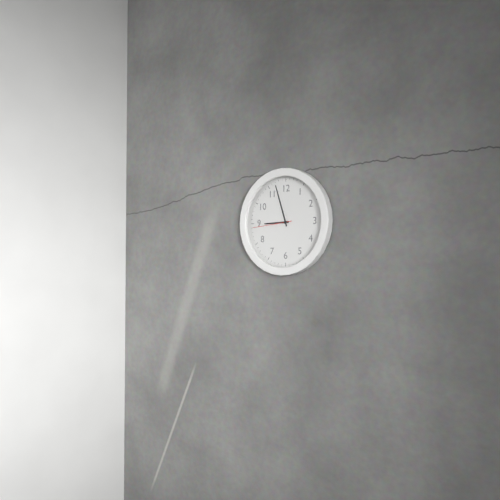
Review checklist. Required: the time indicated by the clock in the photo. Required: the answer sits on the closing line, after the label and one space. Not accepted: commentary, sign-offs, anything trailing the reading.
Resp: 8:57
